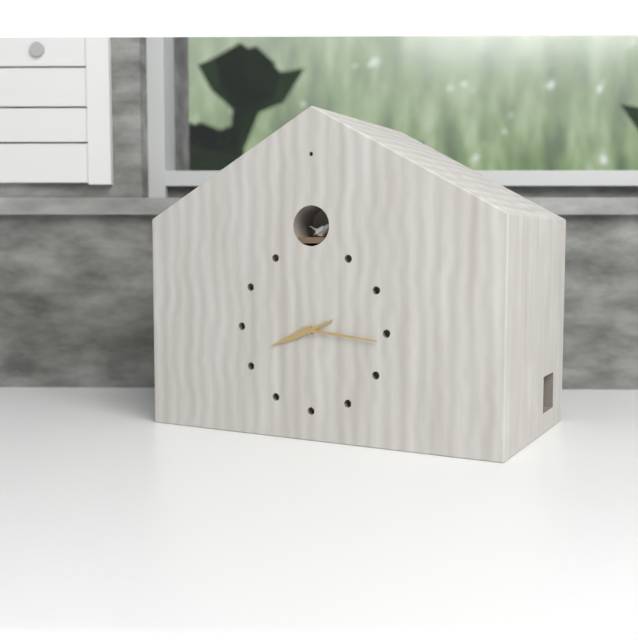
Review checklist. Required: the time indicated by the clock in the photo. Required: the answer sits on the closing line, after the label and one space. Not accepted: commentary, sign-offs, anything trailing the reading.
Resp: 8:16
